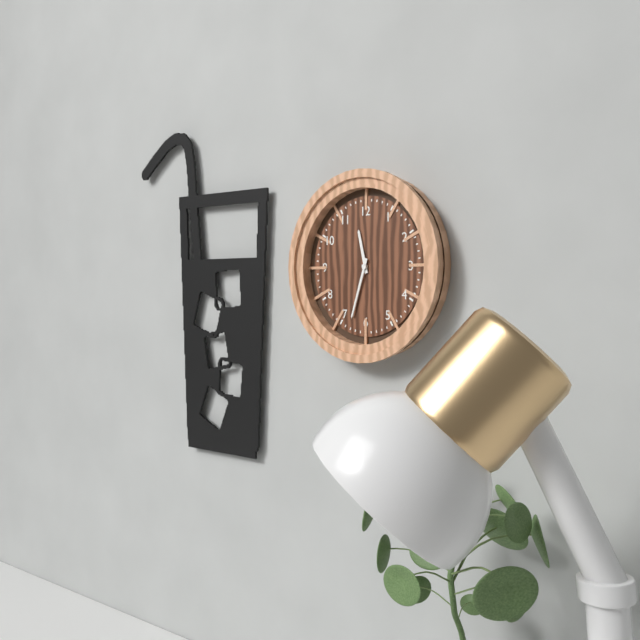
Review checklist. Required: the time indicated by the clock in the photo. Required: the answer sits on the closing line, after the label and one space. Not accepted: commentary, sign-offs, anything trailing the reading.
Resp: 11:33
